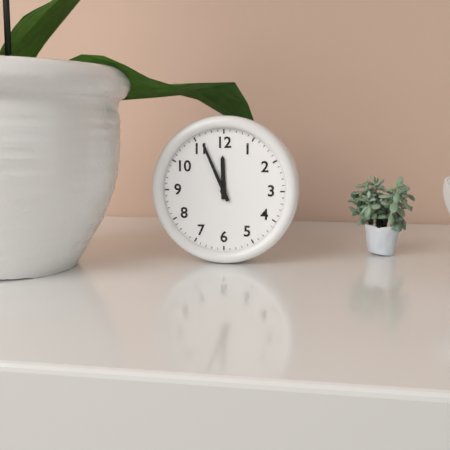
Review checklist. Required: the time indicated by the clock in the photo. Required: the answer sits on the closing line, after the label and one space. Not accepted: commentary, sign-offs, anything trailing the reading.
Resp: 11:56
